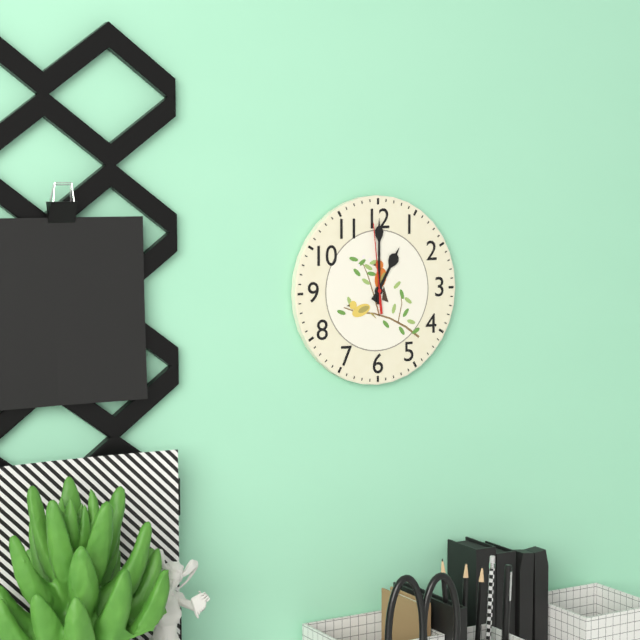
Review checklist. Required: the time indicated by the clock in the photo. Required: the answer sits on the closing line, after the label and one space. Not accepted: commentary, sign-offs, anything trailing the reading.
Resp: 1:00:59
